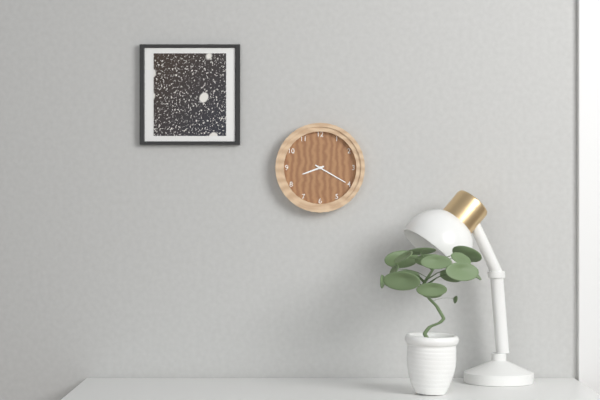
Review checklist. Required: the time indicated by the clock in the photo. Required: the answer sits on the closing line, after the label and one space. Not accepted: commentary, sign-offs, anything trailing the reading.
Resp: 8:20
